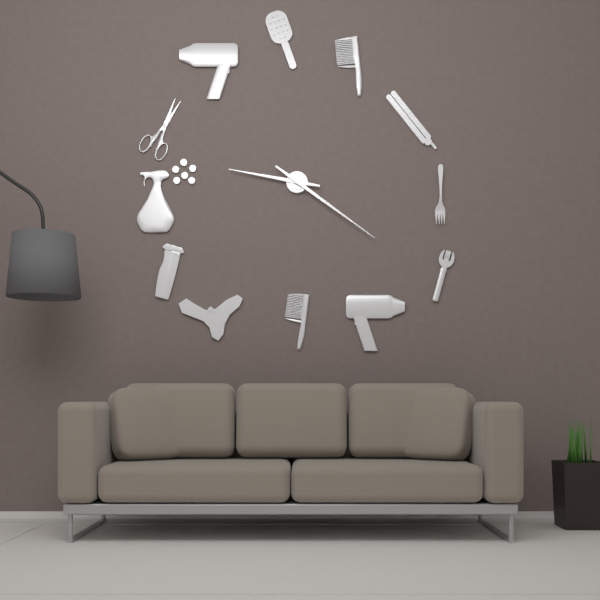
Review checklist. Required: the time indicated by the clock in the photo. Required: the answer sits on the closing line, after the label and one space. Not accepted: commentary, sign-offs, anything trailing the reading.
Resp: 9:21
